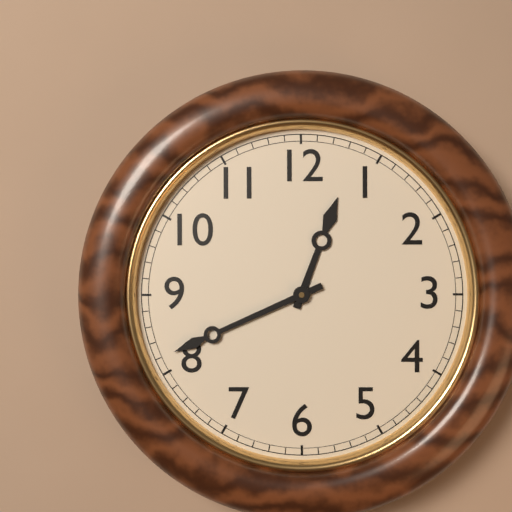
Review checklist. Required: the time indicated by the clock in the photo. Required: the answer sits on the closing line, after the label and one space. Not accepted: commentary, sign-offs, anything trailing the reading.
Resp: 12:41
